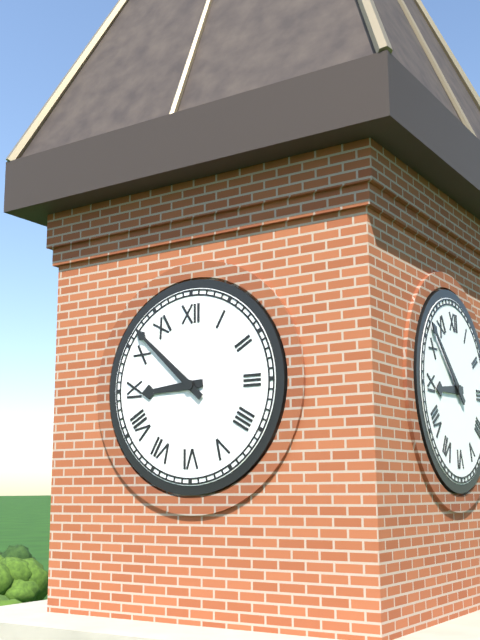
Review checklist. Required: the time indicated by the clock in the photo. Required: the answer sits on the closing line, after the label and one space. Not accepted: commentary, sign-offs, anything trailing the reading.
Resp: 8:52
